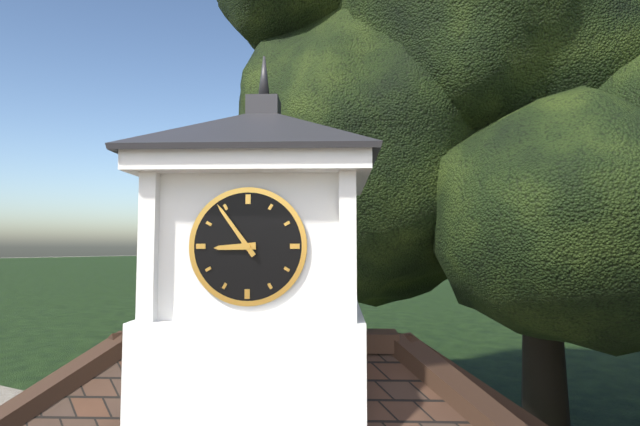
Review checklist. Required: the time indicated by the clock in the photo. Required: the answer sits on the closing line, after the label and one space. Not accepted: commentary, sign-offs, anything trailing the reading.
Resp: 8:54
